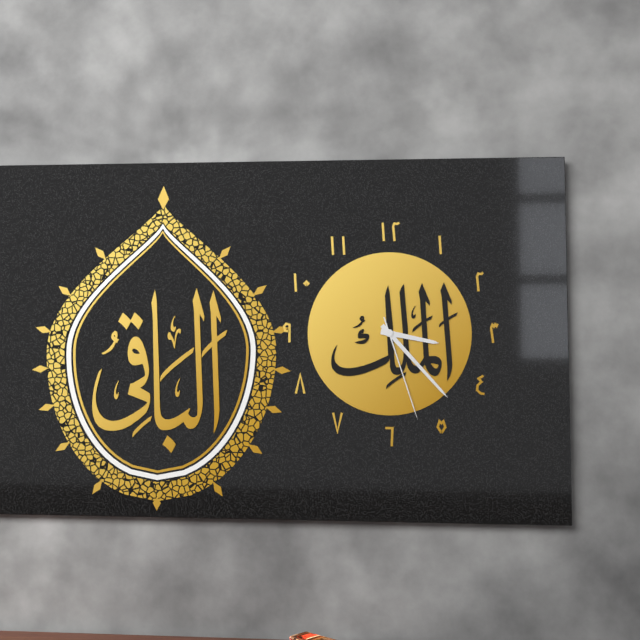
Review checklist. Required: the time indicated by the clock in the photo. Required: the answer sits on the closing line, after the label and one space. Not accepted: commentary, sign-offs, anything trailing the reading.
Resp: 3:23:27
